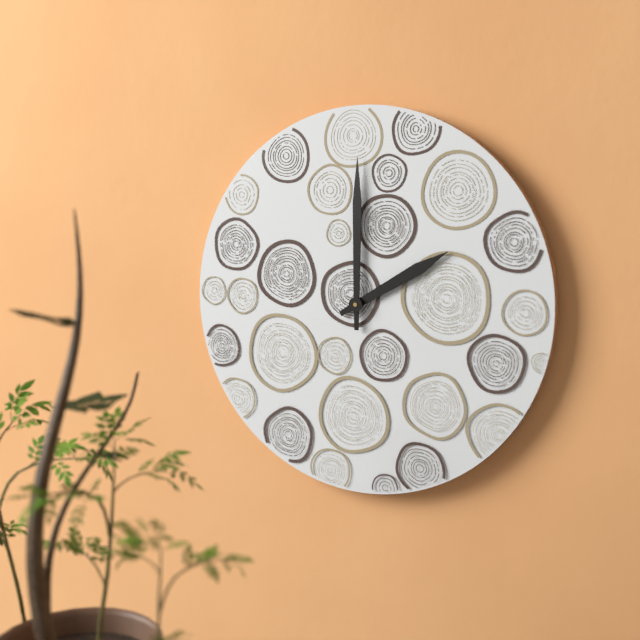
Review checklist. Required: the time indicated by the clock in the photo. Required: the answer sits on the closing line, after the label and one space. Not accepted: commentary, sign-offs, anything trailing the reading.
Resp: 2:00
